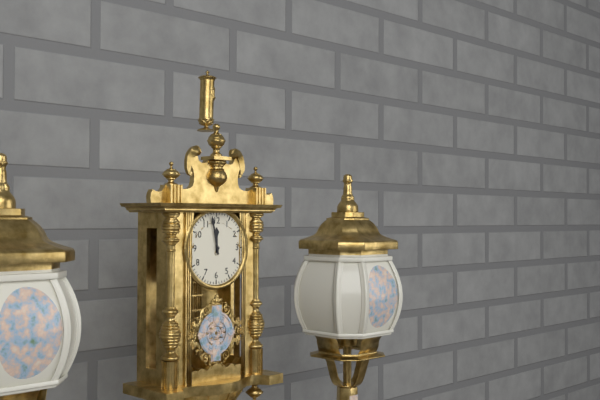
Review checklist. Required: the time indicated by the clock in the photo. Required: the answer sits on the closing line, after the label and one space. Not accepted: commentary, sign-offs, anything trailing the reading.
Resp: 11:58
